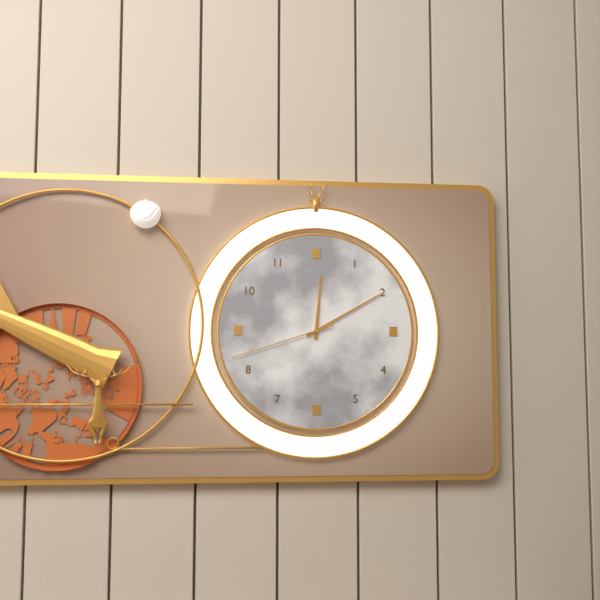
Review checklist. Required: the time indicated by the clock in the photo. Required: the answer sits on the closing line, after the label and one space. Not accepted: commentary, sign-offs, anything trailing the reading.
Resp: 12:10:42
